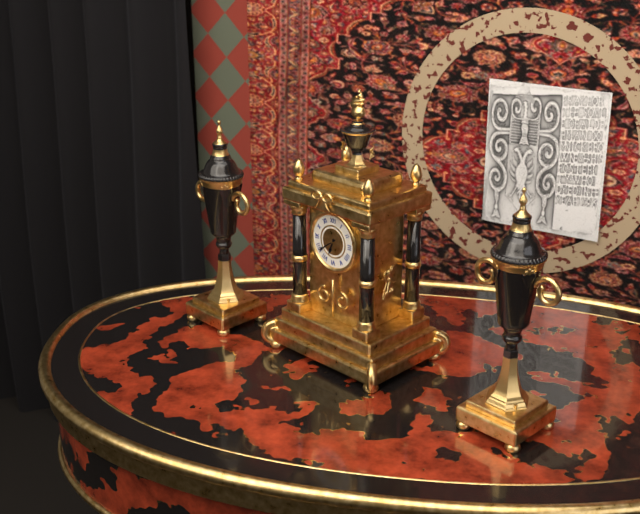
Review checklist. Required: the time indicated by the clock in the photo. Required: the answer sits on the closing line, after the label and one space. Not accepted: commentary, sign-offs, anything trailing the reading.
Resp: 6:39
